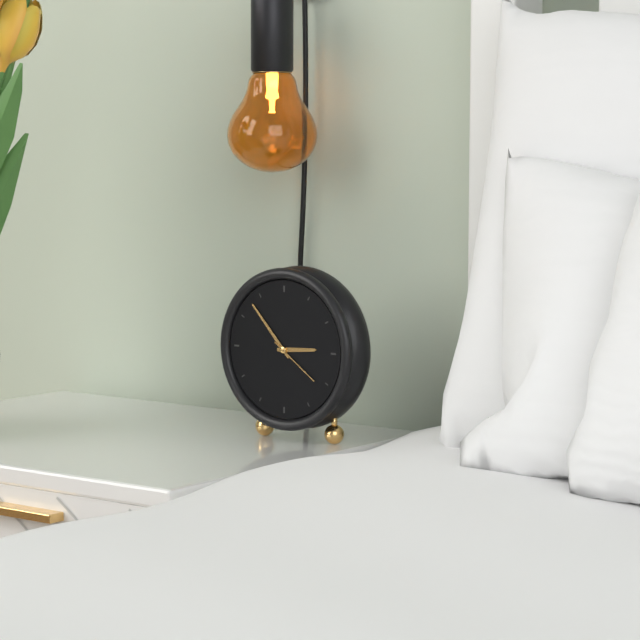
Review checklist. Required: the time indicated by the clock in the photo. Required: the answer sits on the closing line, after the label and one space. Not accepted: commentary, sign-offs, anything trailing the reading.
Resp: 2:53:21
